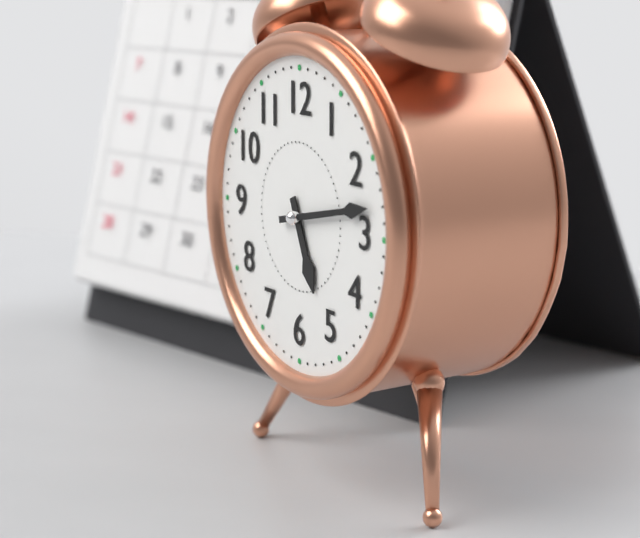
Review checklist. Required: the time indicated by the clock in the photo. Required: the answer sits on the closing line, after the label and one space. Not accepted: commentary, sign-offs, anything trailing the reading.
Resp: 5:13
